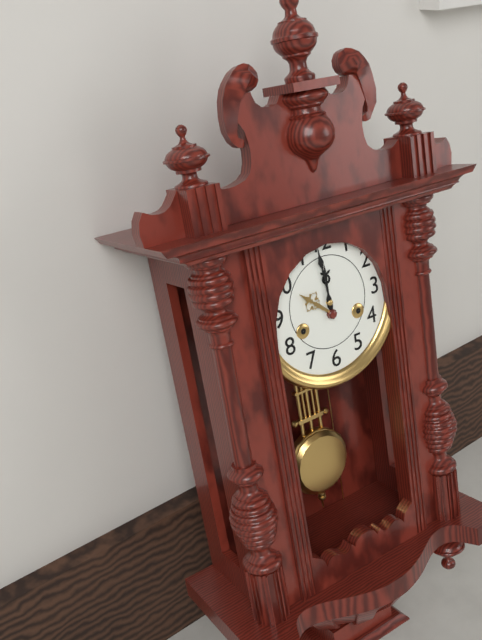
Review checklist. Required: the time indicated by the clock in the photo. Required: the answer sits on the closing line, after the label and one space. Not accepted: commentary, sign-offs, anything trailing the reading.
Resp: 11:59
